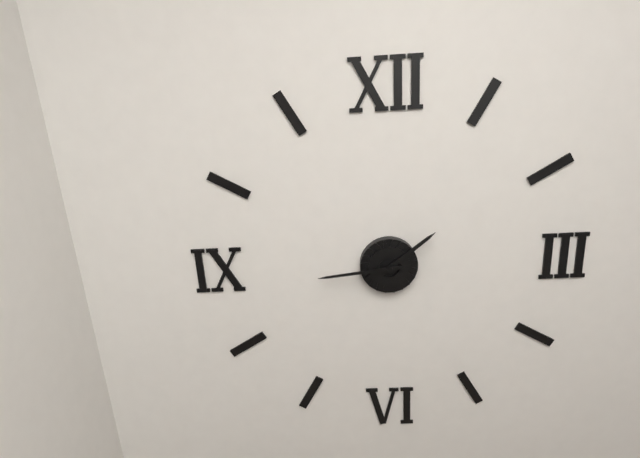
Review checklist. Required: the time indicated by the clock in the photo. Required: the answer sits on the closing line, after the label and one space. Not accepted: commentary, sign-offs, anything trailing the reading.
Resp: 1:44
